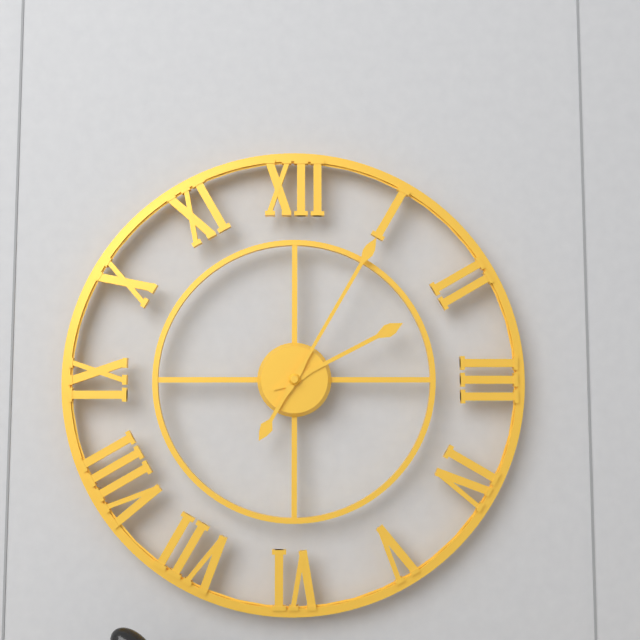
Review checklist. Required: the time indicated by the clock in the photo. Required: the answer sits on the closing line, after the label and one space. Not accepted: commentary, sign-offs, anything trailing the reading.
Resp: 2:05
